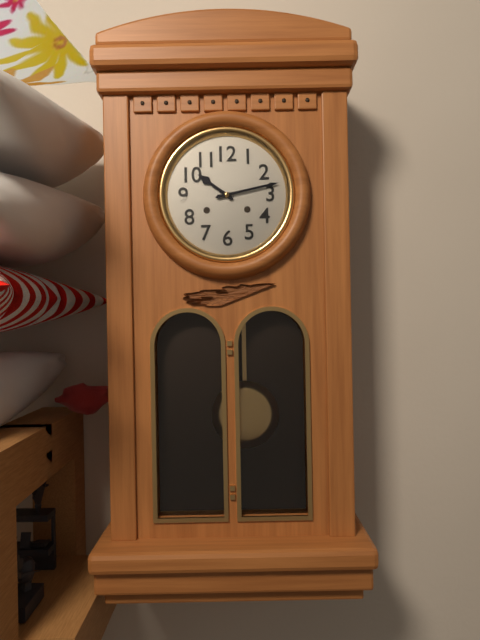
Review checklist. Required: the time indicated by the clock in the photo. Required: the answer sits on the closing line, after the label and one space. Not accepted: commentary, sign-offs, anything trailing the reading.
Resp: 10:13
